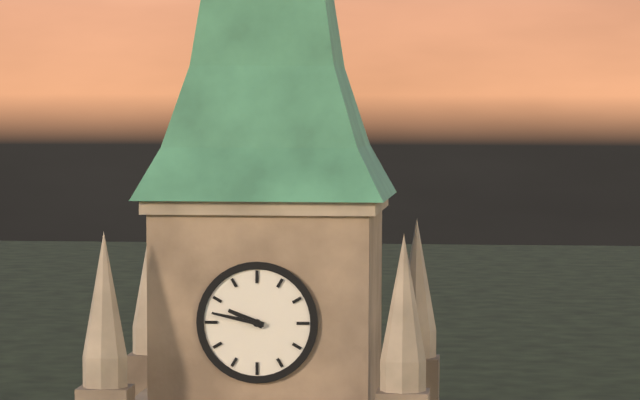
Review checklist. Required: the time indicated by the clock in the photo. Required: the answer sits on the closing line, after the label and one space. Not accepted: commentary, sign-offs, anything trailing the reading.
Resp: 9:47
